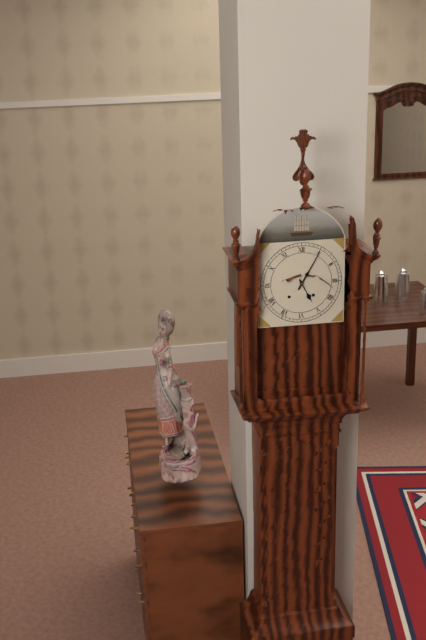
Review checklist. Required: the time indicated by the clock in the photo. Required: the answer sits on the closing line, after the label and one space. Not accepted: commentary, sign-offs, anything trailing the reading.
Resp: 5:05
